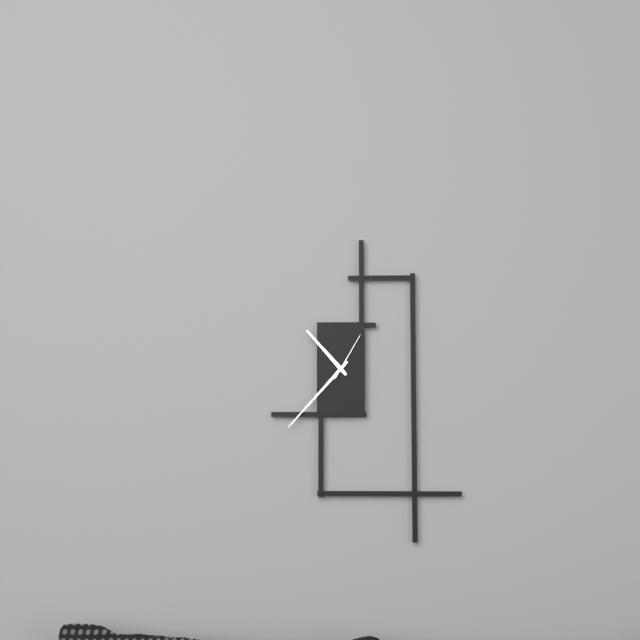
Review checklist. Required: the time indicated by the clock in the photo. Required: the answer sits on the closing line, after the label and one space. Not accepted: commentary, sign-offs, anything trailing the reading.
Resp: 10:37:05
